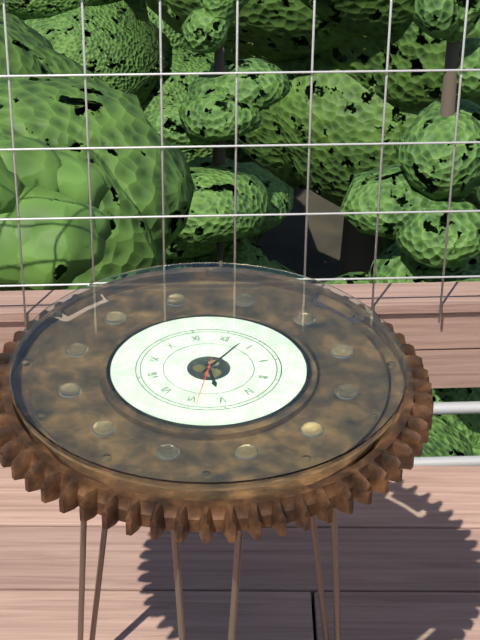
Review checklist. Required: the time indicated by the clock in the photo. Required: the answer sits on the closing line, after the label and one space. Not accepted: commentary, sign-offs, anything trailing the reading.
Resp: 5:03
